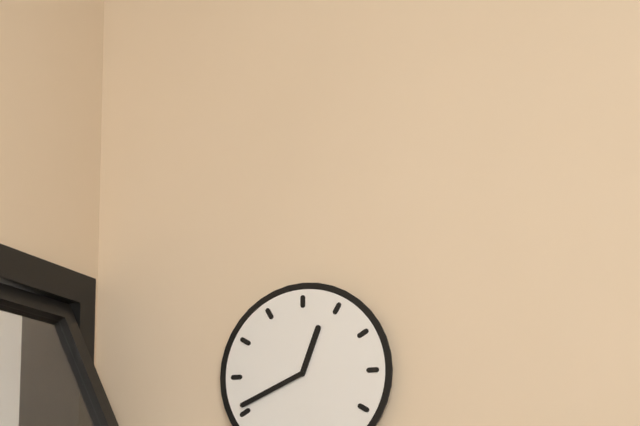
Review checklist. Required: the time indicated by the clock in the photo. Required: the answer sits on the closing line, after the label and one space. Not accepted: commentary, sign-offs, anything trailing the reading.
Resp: 12:41
